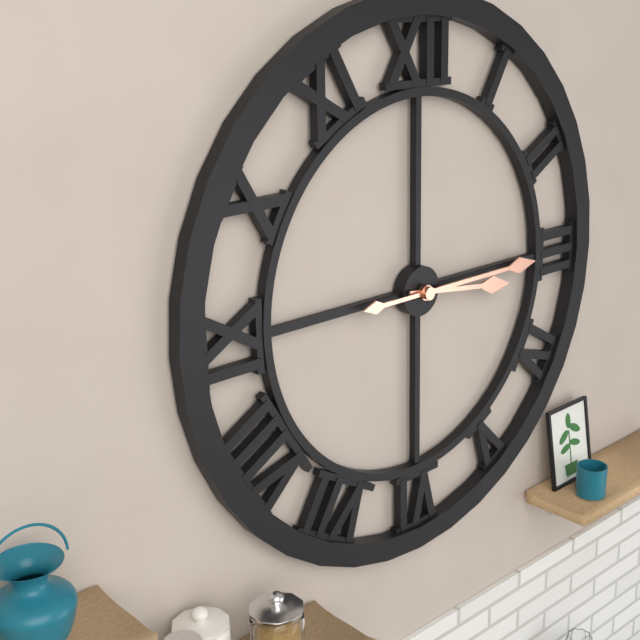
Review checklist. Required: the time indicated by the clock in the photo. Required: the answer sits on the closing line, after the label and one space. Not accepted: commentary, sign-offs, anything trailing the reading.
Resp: 3:15
